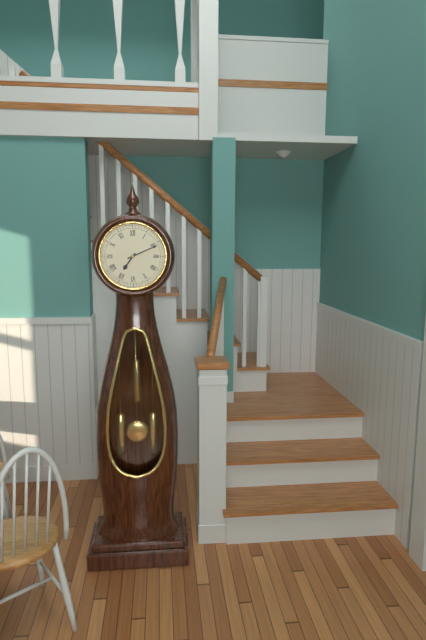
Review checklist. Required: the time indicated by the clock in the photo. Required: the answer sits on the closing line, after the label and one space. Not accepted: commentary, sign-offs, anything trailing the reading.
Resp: 7:11
